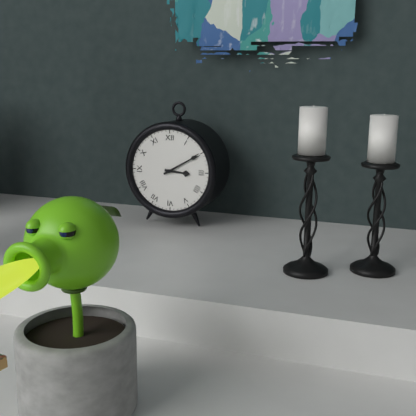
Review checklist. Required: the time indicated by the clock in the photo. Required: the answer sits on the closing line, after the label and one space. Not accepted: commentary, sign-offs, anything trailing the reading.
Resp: 3:10
